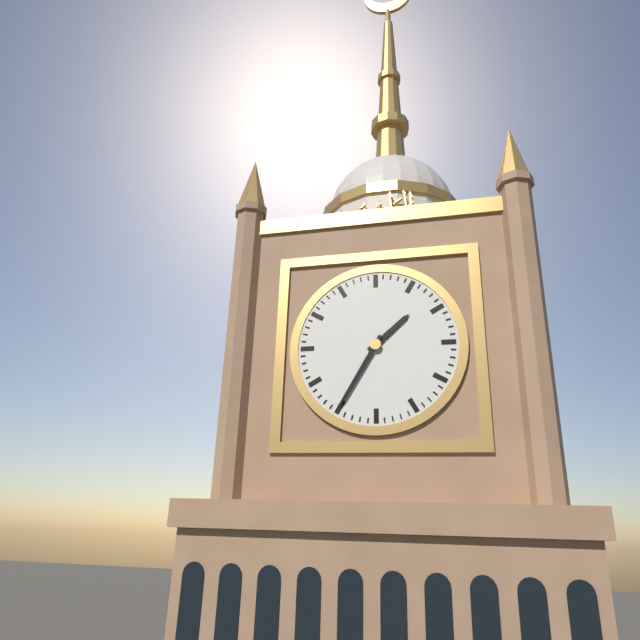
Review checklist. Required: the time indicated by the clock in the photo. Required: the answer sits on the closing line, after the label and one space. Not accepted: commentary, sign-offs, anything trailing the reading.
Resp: 1:35
